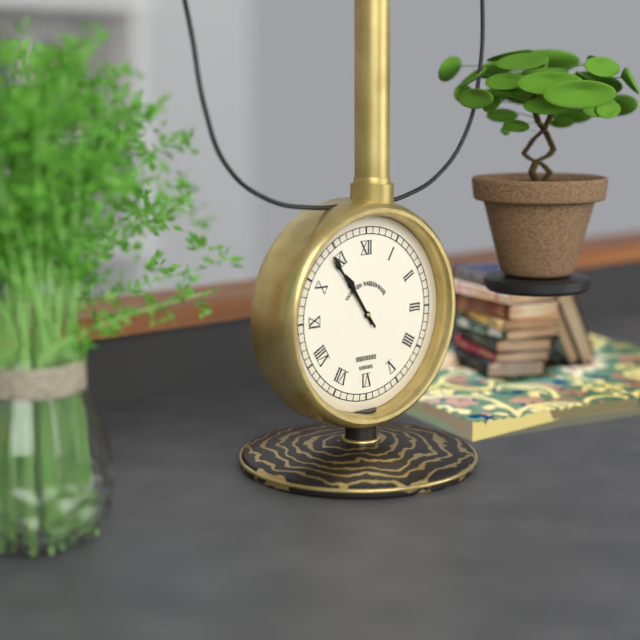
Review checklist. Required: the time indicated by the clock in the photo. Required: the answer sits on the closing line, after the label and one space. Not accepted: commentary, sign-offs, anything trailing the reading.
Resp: 10:54
